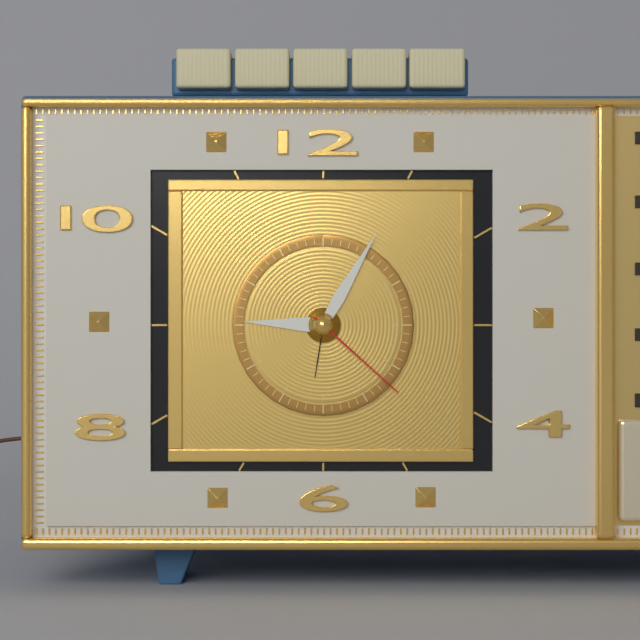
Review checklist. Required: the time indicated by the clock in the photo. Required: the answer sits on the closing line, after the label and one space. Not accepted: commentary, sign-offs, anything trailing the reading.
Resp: 9:05:22
